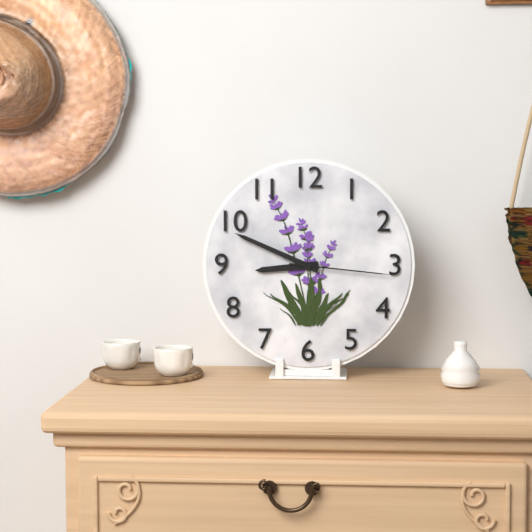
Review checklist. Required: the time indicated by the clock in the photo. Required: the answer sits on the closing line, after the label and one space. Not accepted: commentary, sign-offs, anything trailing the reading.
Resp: 8:49:16
